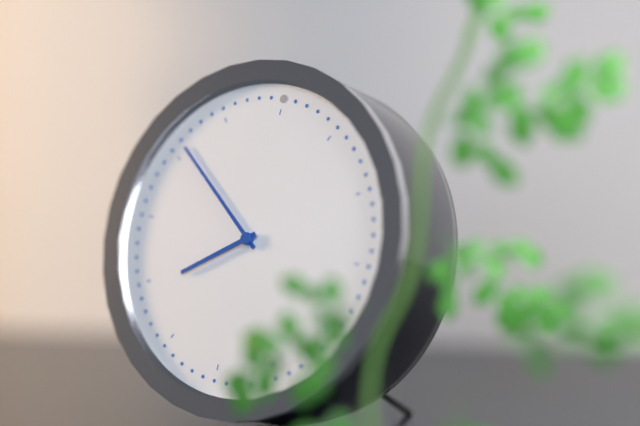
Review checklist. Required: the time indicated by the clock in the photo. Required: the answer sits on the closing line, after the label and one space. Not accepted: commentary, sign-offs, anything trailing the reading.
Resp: 7:51
